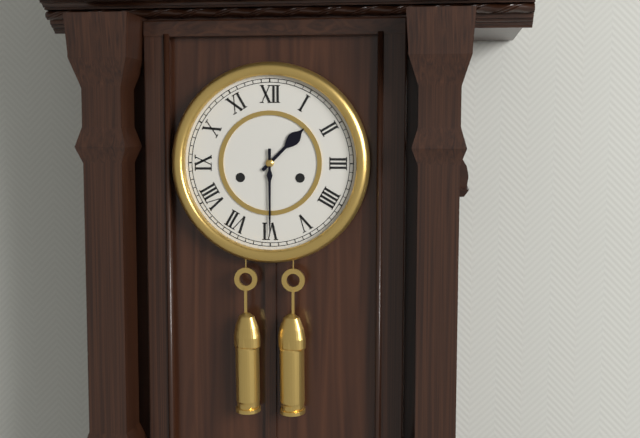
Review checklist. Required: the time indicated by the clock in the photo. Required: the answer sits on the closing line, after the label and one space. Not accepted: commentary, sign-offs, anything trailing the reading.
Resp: 1:30
